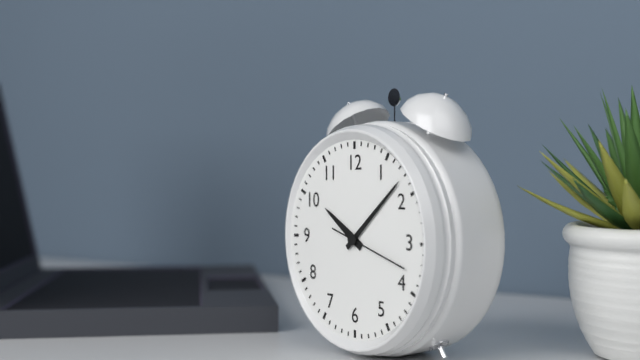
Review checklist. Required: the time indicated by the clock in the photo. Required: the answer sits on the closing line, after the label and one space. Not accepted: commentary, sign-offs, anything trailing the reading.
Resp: 10:08:18
